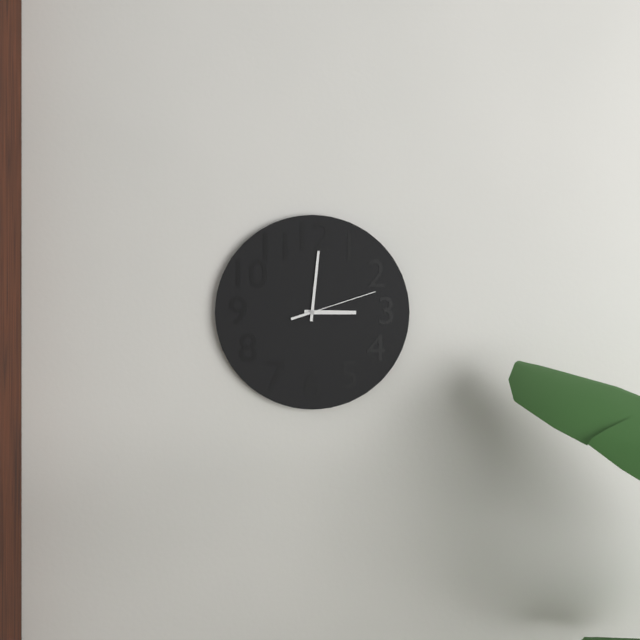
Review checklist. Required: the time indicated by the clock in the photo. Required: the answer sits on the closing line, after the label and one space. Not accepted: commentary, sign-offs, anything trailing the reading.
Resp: 3:01:12
